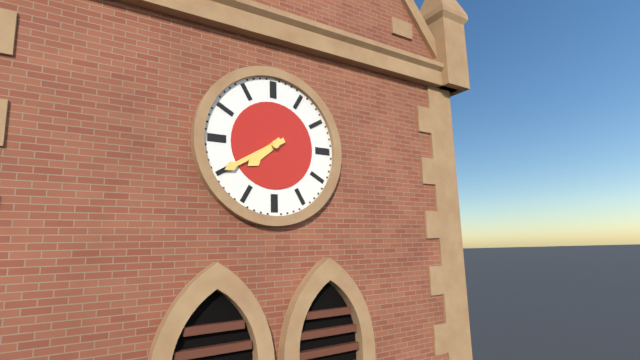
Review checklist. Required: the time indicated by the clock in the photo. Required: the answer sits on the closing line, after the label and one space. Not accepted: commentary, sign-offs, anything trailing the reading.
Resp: 7:40
